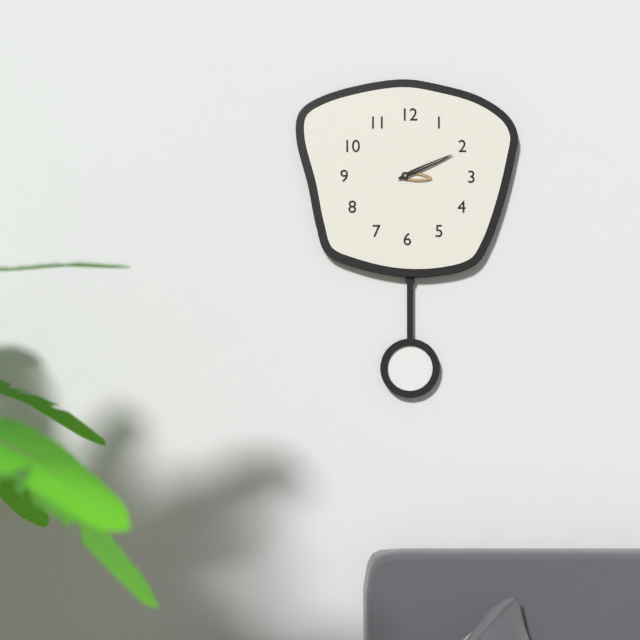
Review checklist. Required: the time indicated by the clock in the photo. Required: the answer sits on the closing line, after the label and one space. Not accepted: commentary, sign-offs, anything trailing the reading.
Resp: 3:11
